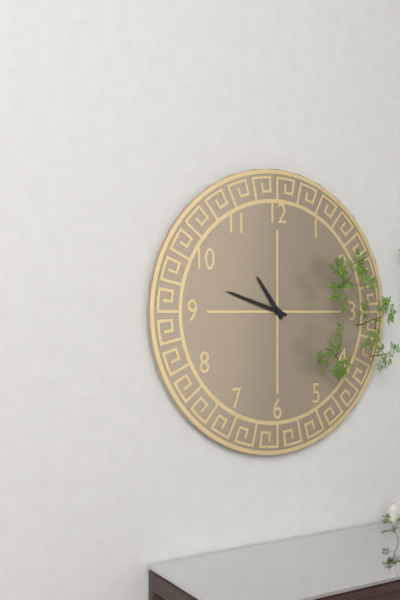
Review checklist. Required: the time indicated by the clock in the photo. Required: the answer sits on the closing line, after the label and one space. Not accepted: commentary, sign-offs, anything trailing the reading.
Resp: 10:48
